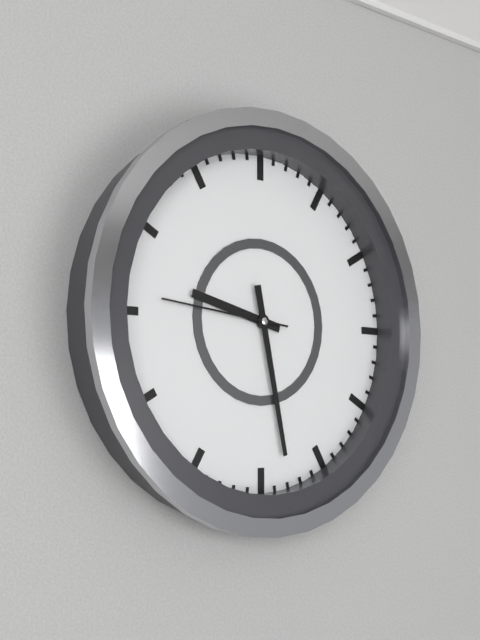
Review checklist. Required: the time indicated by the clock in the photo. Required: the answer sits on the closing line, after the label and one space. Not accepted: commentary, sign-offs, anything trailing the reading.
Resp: 9:28:46
